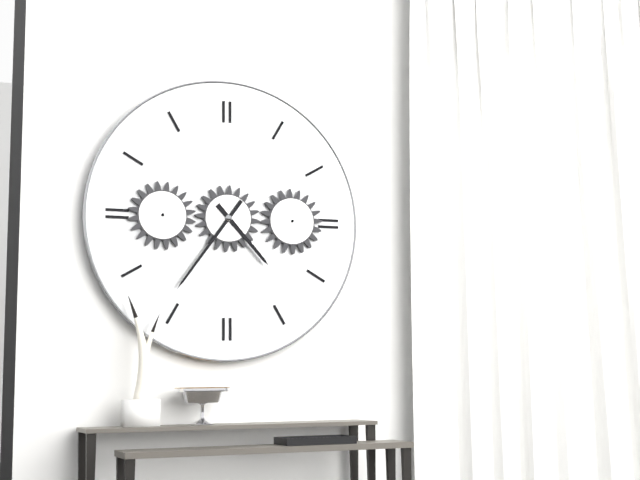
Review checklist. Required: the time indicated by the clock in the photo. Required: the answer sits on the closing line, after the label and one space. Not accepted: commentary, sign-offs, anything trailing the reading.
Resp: 4:36
